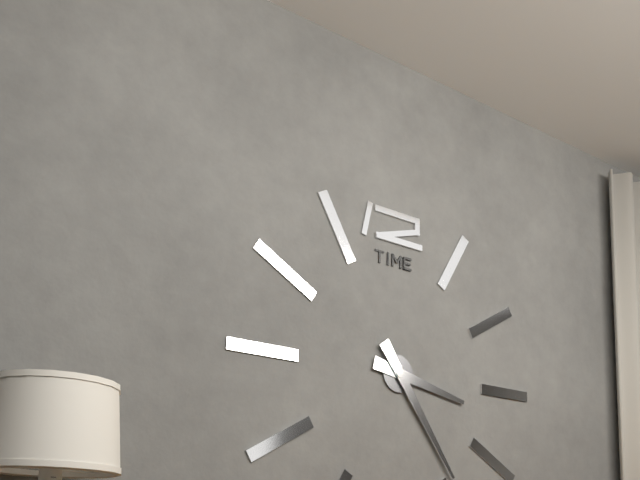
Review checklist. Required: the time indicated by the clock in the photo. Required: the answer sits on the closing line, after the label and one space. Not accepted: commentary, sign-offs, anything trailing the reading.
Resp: 3:24
